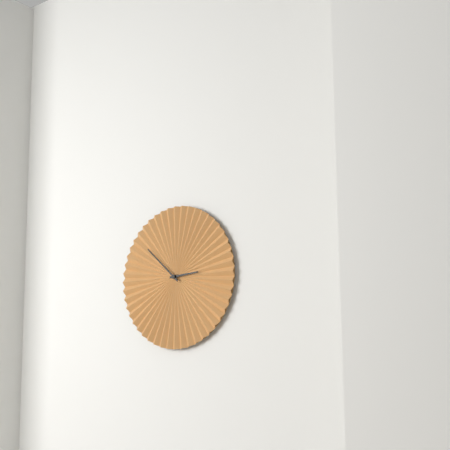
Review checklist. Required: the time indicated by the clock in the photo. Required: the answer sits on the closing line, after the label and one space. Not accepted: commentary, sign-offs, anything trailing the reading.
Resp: 2:52
